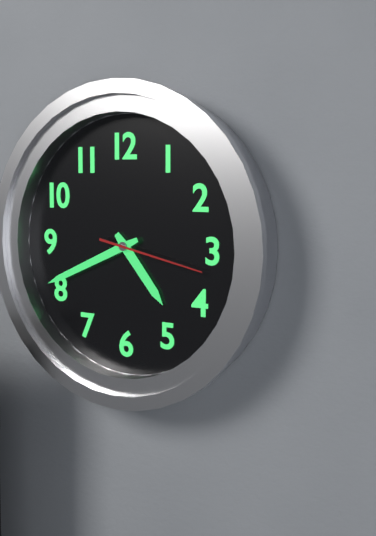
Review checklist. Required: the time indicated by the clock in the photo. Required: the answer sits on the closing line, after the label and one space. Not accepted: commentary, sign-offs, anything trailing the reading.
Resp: 4:41:17
